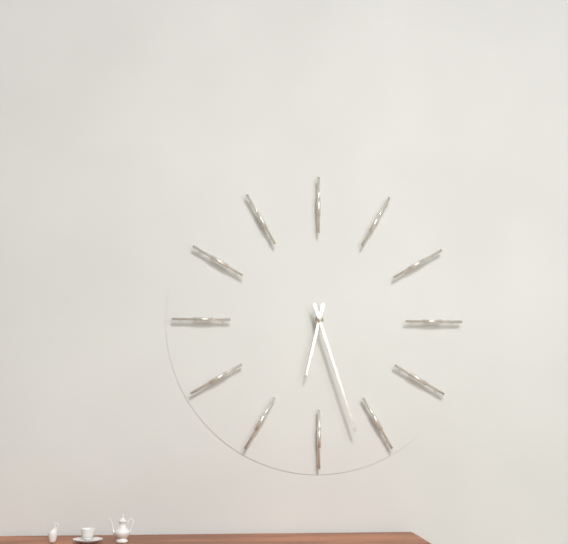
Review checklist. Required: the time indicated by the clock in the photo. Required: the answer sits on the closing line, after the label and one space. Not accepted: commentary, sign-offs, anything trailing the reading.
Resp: 6:27
